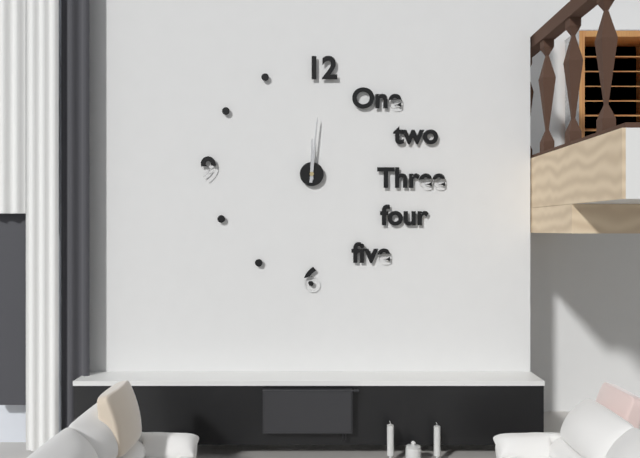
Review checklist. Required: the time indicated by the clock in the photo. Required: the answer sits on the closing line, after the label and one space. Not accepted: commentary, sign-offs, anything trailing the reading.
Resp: 12:01
